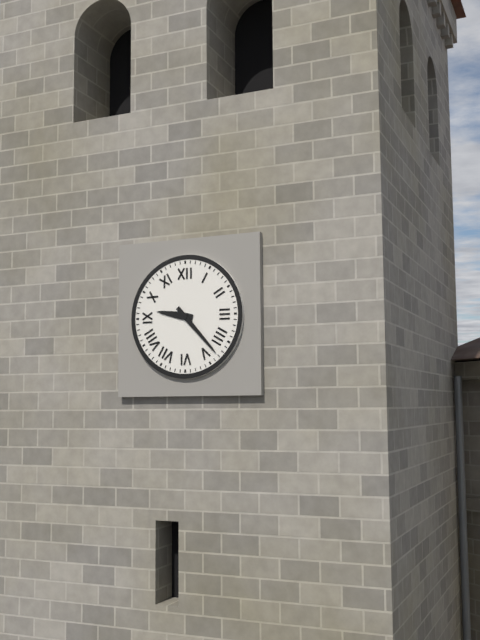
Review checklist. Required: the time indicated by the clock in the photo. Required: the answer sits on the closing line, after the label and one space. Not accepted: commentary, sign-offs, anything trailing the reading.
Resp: 9:23
